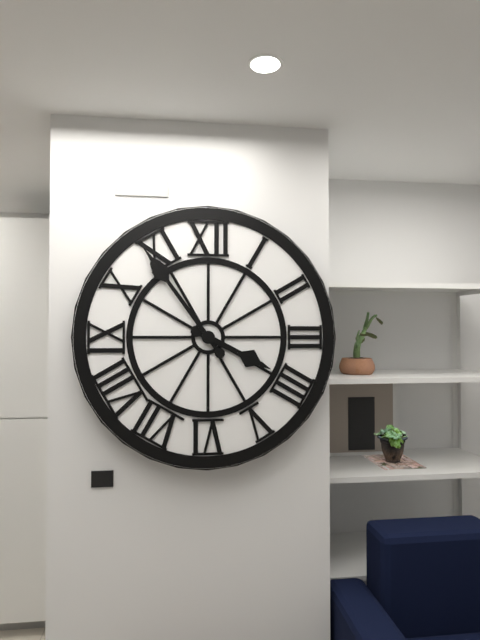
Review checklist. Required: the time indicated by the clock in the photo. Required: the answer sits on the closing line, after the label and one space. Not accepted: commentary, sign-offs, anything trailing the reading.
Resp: 3:54
